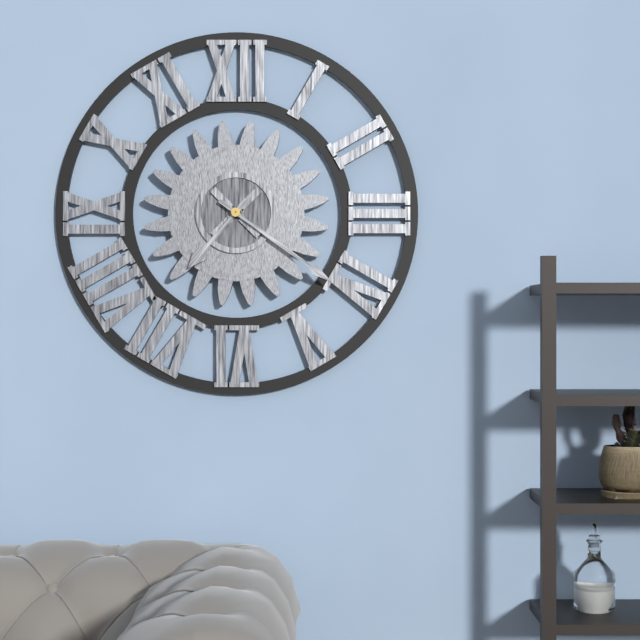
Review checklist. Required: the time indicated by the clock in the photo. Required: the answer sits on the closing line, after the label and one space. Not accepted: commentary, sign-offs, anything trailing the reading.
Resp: 7:21
